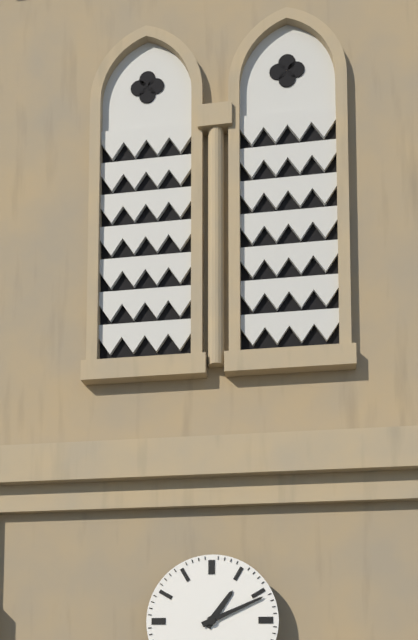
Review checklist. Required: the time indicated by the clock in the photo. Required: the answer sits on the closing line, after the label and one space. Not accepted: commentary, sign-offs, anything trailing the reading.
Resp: 1:11
